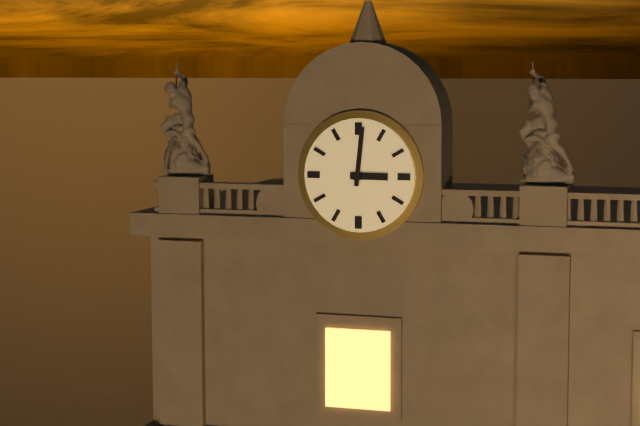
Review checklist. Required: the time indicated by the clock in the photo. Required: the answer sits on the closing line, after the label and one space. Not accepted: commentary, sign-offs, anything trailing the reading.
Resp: 3:01
